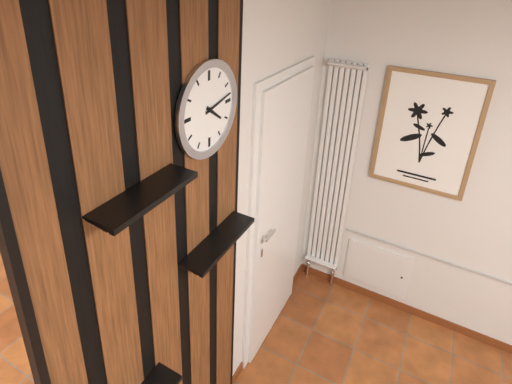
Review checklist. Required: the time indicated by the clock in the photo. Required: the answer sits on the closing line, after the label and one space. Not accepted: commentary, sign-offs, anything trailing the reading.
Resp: 4:13
